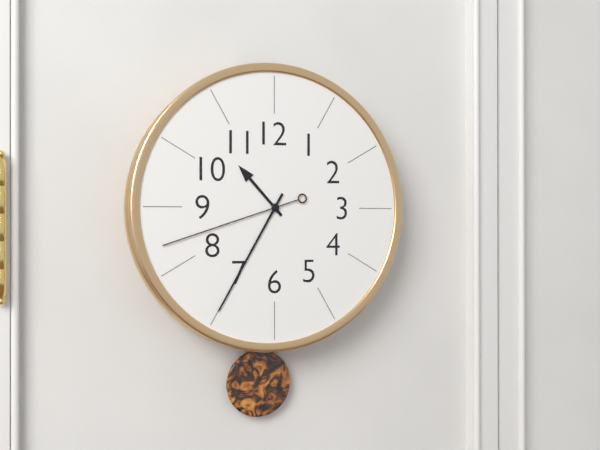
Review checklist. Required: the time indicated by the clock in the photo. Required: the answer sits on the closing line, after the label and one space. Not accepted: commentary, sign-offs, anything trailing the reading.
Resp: 10:35:42
